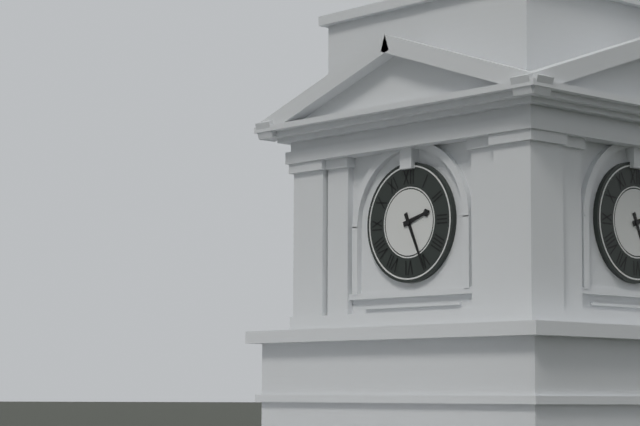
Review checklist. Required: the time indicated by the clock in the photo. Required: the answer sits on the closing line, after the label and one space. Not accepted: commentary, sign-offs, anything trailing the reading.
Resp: 2:26
